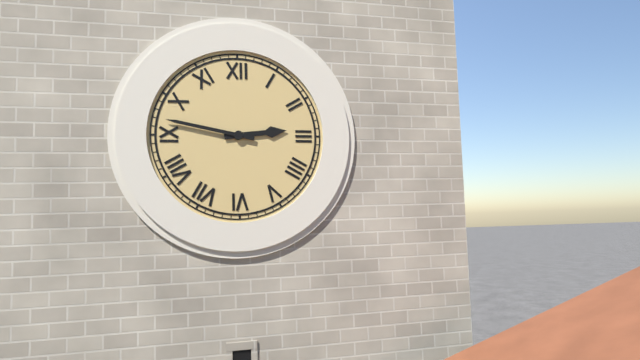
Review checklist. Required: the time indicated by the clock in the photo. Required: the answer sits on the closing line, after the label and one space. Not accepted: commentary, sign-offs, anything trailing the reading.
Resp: 2:47
